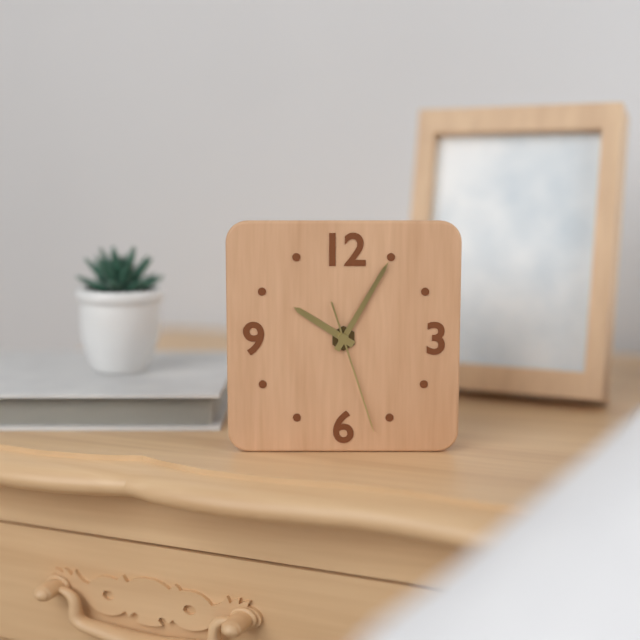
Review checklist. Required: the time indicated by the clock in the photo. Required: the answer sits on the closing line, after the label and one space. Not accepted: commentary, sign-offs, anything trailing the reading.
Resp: 10:05:27
